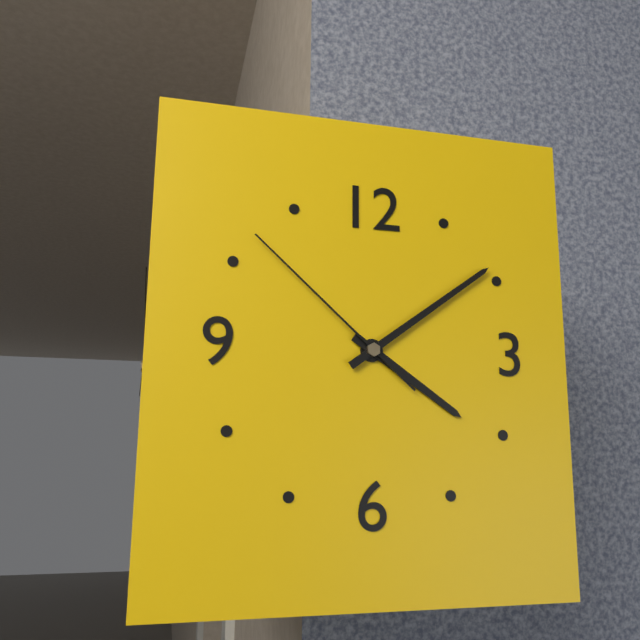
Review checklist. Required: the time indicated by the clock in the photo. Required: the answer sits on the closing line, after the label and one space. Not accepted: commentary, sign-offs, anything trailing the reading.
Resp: 4:09:52
